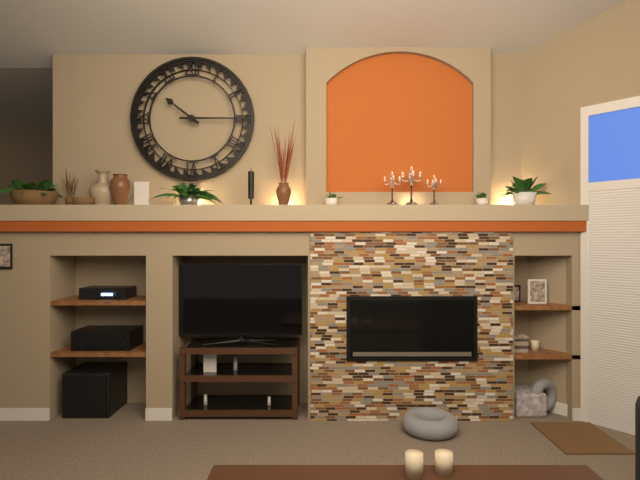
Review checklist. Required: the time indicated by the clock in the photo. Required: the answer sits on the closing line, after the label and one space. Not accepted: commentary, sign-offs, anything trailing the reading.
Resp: 10:15
